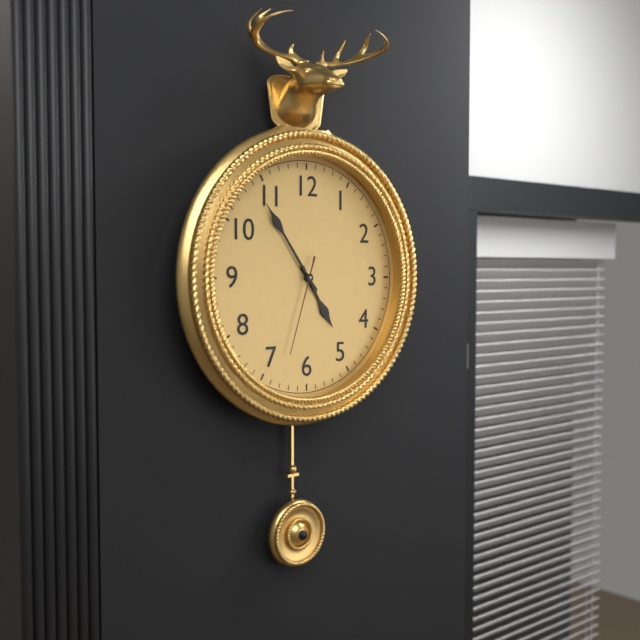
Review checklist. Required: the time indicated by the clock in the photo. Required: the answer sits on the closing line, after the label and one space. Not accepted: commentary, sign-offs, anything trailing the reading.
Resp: 4:54:33
